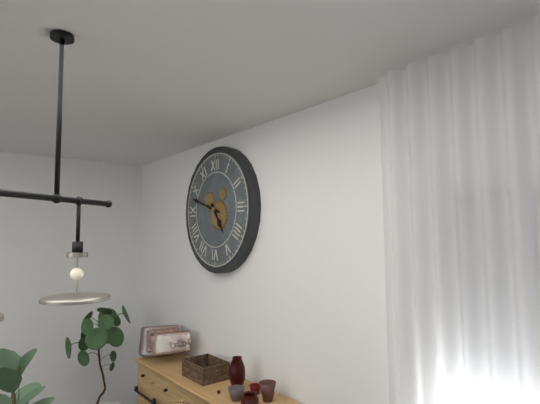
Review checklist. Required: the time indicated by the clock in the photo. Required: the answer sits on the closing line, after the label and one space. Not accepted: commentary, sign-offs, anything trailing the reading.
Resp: 4:48
